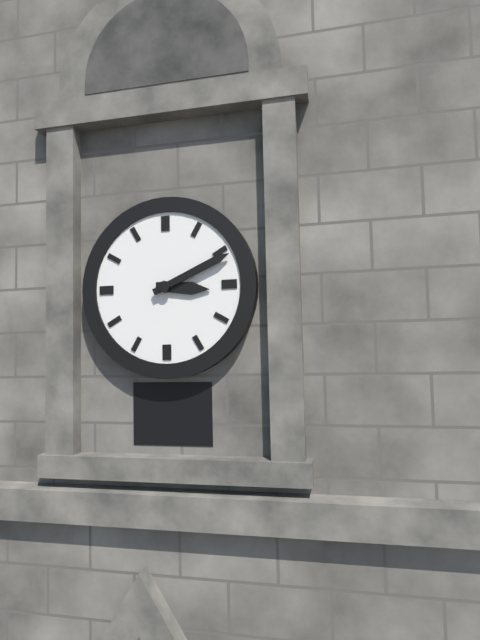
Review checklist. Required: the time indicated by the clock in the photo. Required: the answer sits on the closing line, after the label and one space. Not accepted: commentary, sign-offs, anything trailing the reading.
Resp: 3:11
